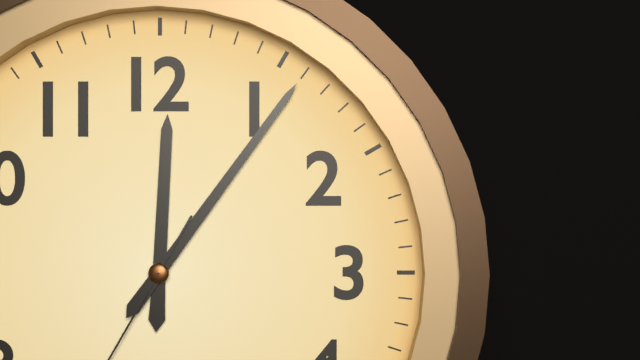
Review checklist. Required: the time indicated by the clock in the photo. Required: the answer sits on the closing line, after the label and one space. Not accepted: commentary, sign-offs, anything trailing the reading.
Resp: 12:06
